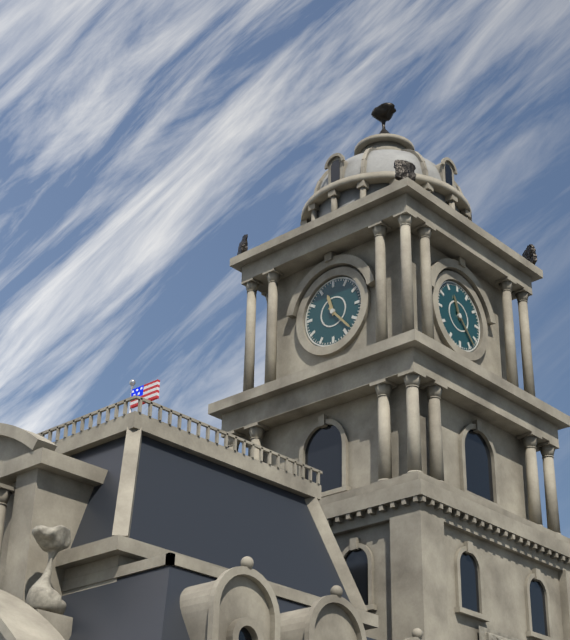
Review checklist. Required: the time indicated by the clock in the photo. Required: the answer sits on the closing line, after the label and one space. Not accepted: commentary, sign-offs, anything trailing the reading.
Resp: 11:23
